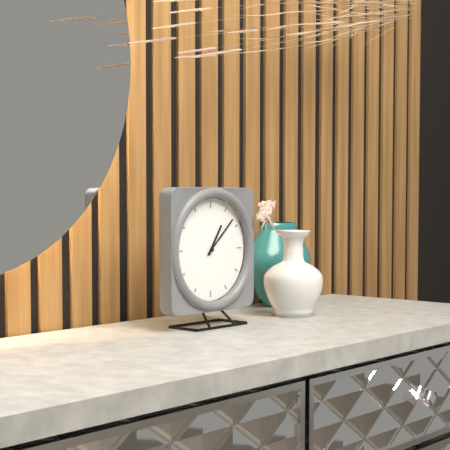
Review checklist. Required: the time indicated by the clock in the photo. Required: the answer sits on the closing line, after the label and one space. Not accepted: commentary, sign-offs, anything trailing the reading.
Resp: 1:08
